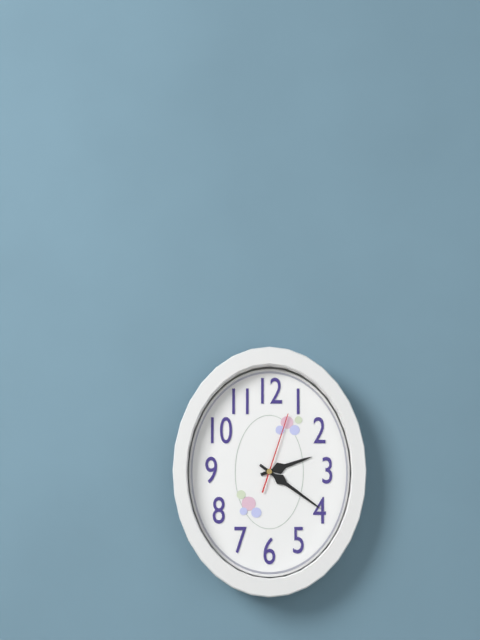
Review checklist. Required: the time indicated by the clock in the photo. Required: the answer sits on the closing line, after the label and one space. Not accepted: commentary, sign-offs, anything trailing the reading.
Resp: 2:21:03
